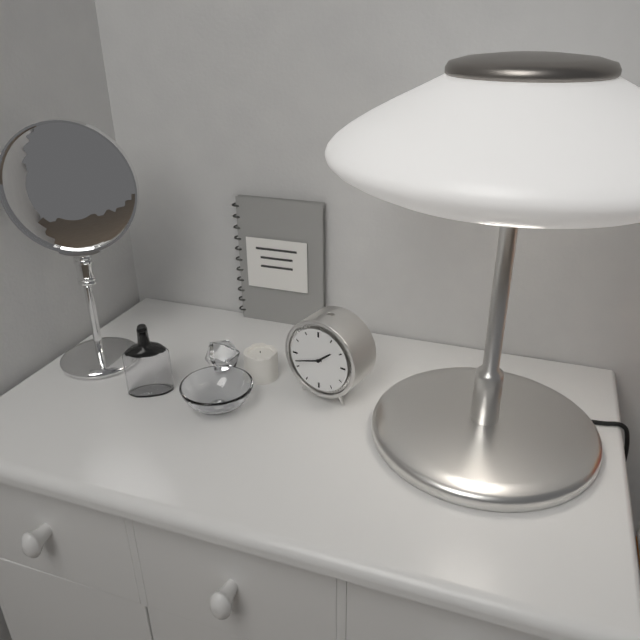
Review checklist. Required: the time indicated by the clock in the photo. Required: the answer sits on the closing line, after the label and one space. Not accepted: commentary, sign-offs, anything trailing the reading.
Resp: 1:42
